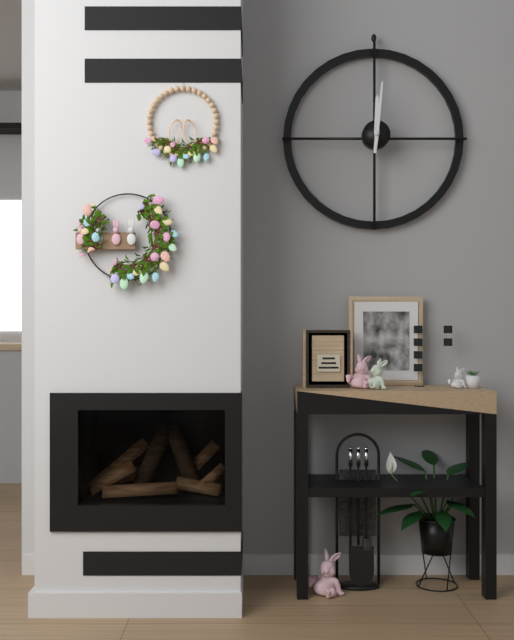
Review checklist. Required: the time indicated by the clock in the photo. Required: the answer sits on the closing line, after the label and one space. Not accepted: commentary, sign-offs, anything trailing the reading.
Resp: 12:01
